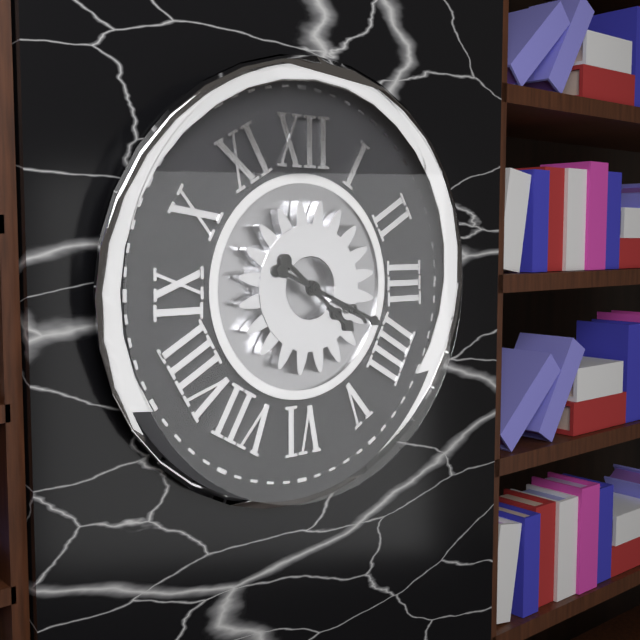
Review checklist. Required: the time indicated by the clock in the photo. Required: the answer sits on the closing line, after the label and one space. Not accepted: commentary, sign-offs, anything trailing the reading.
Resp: 4:19
